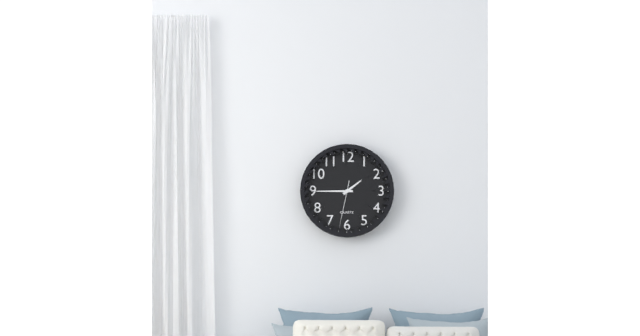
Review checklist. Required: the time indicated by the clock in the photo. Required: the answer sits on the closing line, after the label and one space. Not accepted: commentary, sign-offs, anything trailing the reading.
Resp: 1:45
